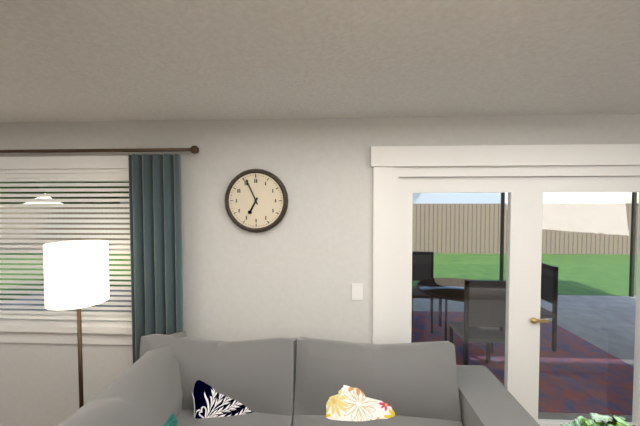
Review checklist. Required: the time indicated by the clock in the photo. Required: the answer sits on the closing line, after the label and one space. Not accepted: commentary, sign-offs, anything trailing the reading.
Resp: 6:56
